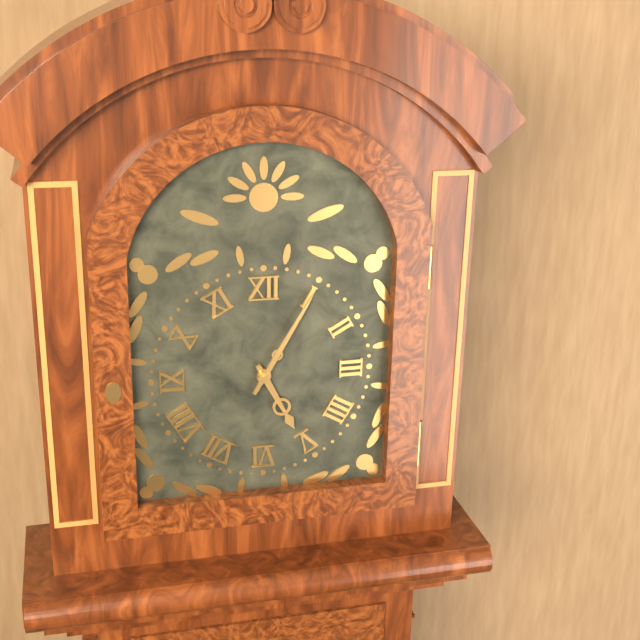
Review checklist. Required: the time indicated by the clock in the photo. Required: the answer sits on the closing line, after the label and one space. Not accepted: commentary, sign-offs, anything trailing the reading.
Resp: 5:05
